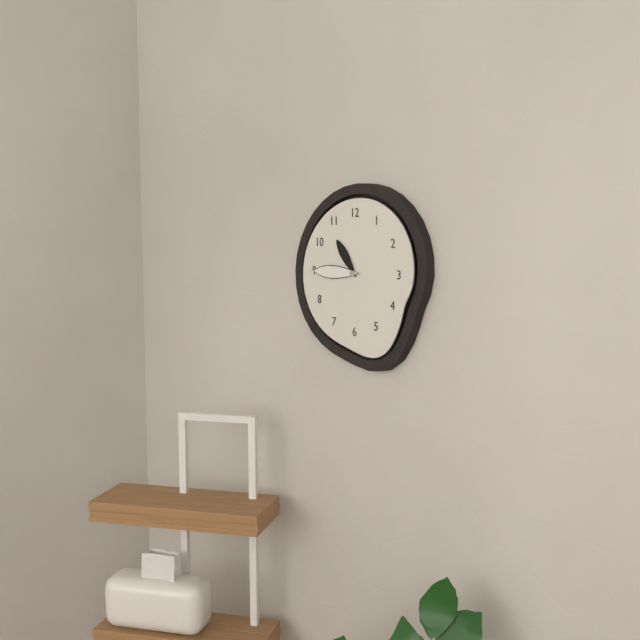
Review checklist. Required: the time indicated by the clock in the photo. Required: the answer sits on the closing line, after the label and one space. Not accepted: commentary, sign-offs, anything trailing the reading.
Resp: 10:45
